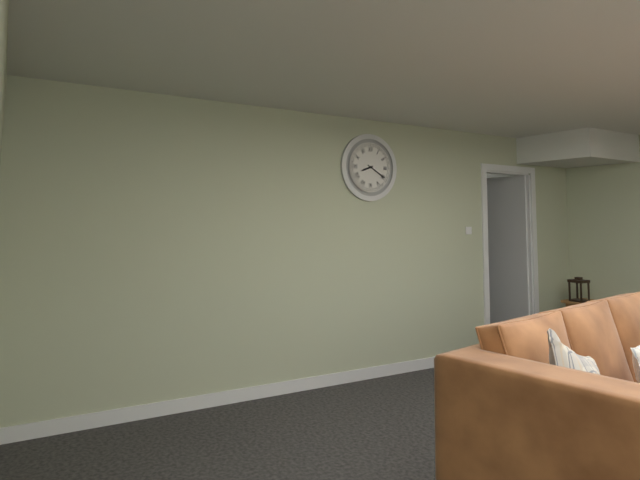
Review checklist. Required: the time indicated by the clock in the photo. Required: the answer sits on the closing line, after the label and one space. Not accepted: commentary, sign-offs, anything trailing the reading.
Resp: 8:20
